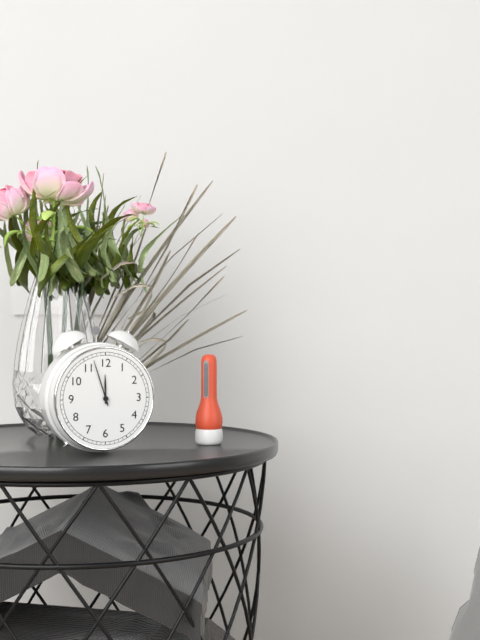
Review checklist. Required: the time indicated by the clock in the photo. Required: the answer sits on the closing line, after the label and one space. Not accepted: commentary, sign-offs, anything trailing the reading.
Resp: 11:57
